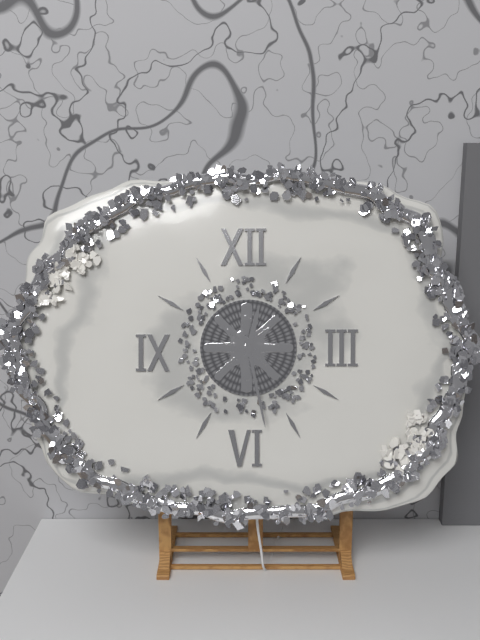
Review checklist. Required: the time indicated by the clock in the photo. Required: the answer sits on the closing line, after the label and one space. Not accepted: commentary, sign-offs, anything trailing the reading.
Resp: 12:28
